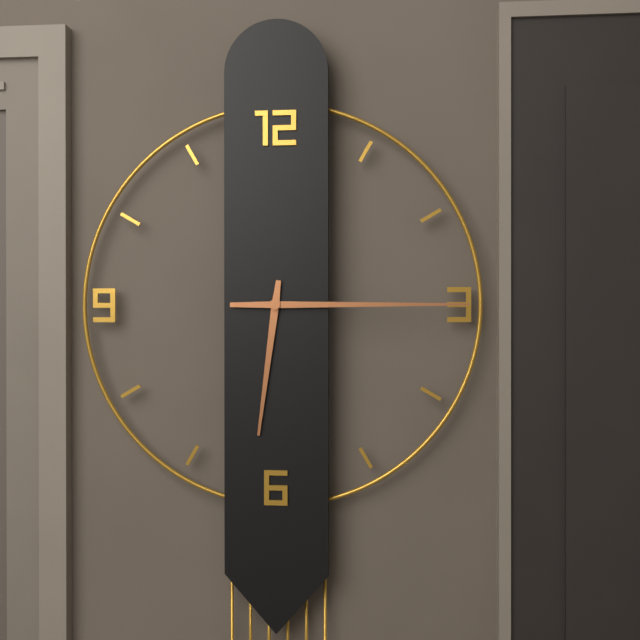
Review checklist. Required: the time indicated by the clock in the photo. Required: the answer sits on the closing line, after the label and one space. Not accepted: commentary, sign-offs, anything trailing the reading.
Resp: 6:15
